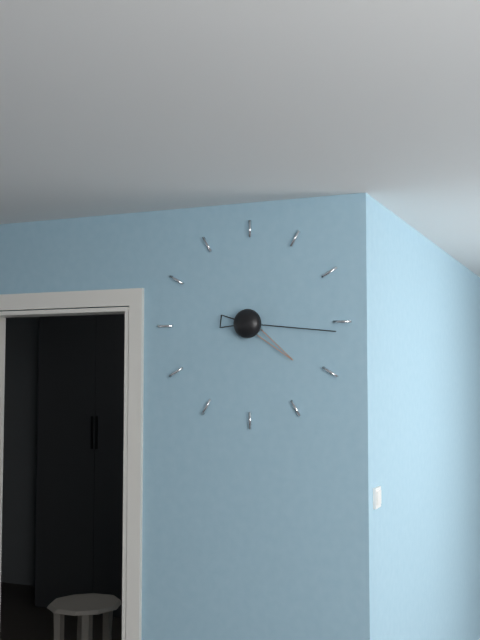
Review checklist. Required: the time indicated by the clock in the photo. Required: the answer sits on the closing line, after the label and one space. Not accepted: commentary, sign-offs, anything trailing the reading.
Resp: 4:16
